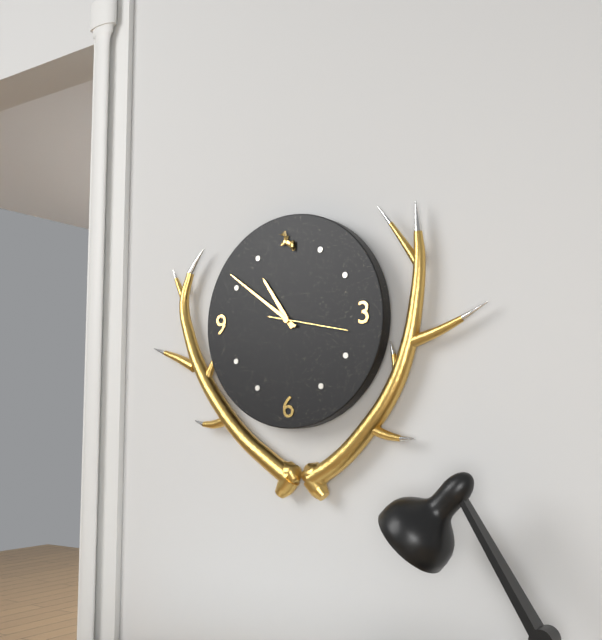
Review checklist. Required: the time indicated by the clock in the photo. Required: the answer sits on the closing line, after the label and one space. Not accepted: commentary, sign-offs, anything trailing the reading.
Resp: 10:51:17
